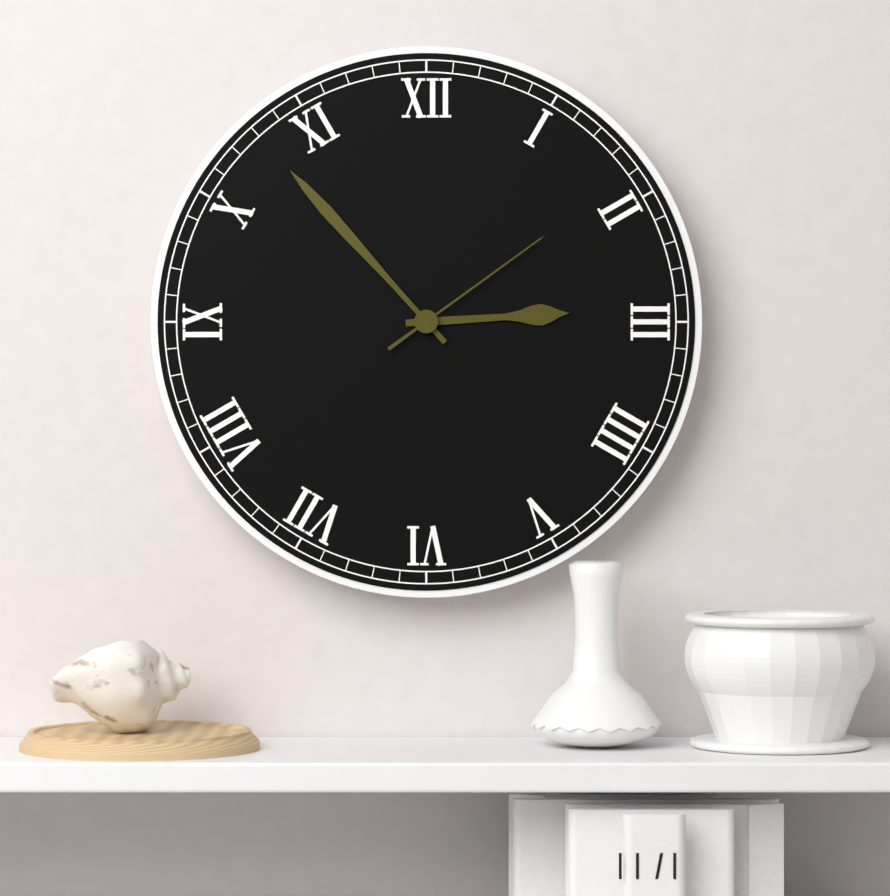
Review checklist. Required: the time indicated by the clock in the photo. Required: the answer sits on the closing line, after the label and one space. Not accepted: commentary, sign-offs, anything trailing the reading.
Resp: 2:53:09
